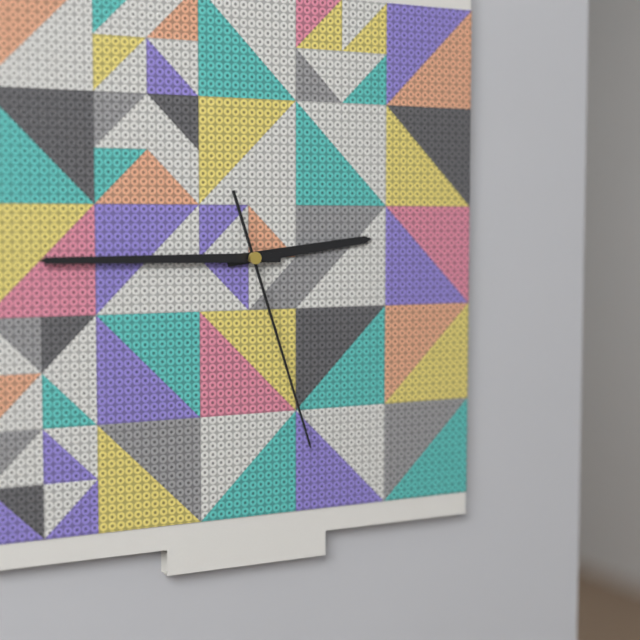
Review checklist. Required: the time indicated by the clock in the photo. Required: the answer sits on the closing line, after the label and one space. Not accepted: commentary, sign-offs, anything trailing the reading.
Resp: 2:45:27
